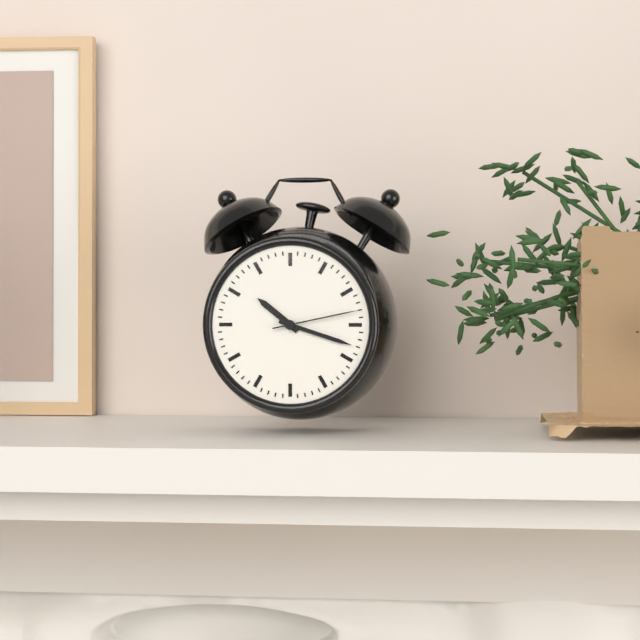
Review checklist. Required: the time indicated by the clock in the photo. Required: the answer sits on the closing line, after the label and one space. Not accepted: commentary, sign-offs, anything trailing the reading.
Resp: 10:18:13
